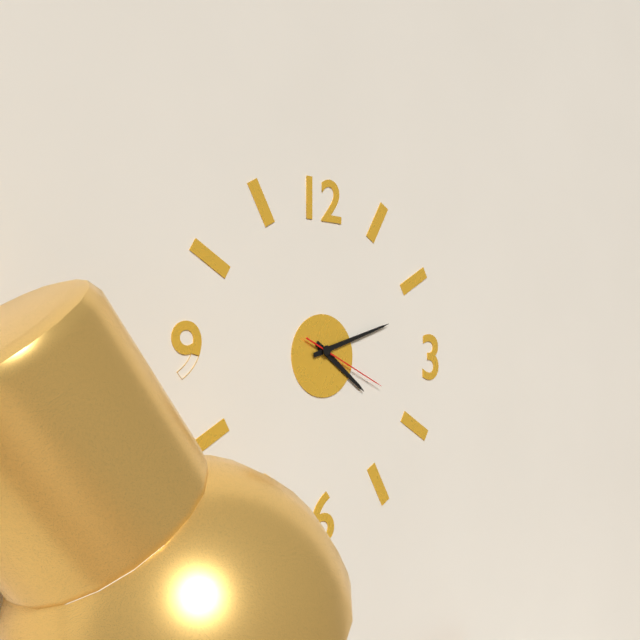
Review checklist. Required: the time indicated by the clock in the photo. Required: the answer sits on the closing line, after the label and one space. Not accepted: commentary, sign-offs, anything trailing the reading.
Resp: 4:12:19
